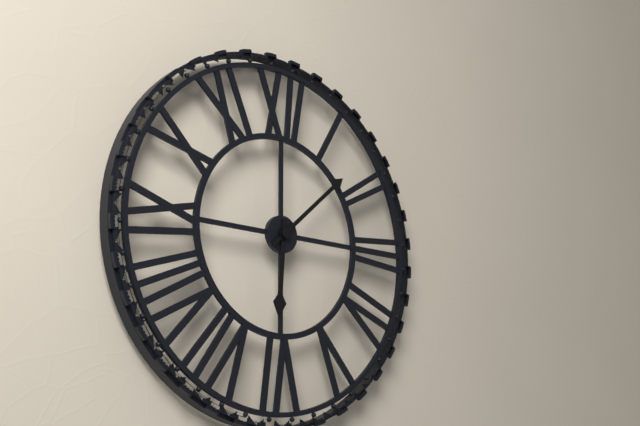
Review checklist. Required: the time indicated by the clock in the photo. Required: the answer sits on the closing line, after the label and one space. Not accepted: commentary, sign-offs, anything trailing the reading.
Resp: 6:08
